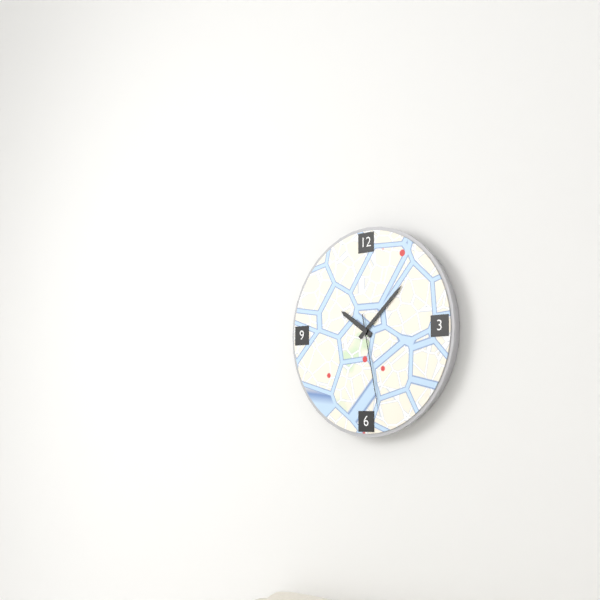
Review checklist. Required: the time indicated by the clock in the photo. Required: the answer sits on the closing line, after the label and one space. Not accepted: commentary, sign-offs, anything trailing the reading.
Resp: 10:08:28
